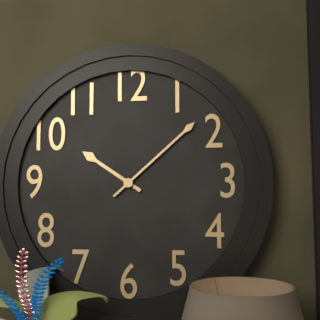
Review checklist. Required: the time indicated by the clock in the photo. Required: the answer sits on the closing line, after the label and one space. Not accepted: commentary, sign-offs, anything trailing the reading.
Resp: 10:08
